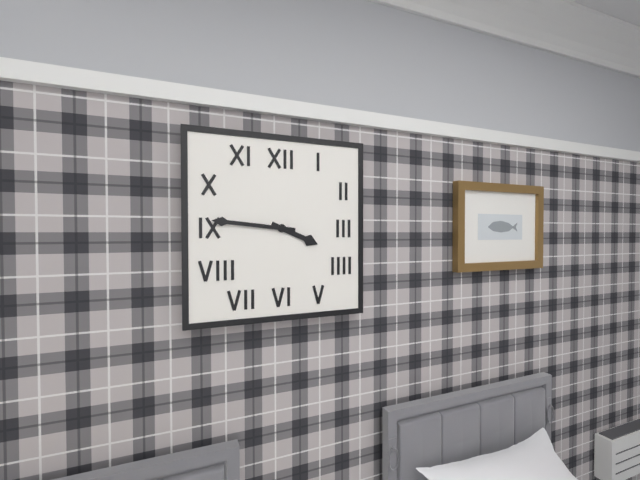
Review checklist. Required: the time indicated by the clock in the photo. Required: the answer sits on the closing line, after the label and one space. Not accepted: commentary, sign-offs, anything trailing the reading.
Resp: 3:46
